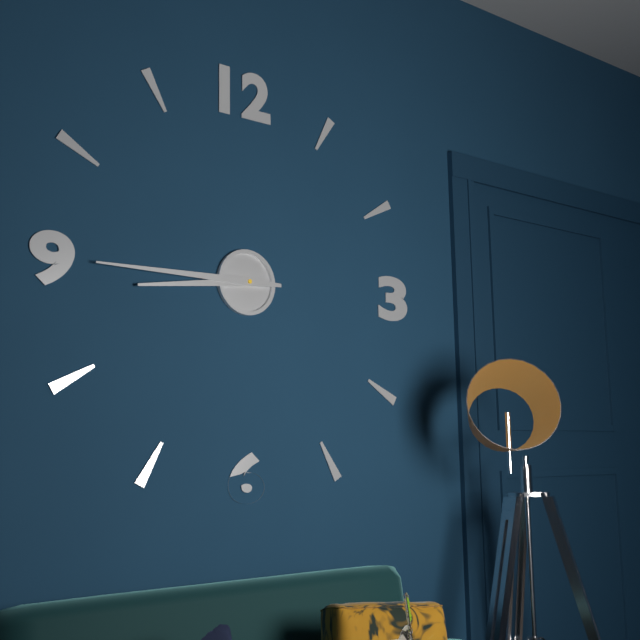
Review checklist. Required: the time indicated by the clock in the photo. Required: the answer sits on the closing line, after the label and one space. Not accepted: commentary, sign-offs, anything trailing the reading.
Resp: 8:45
